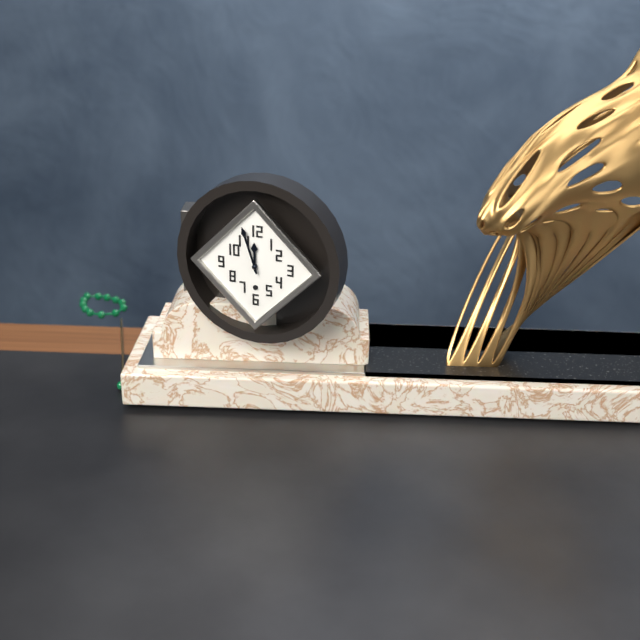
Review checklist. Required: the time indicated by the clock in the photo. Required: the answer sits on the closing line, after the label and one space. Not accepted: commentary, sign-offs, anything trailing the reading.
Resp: 11:57
